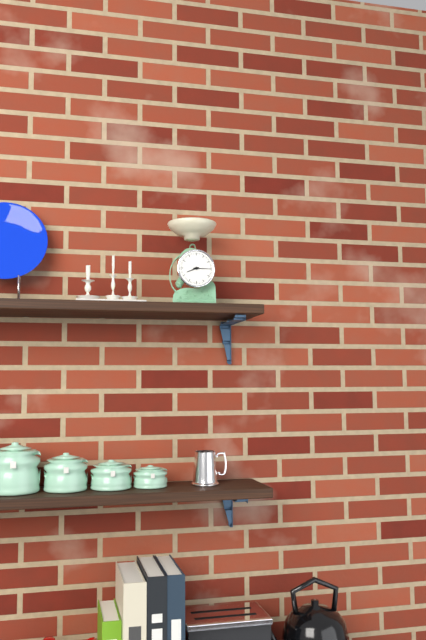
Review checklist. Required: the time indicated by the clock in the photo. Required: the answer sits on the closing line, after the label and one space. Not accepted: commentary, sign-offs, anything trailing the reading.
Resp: 8:15
